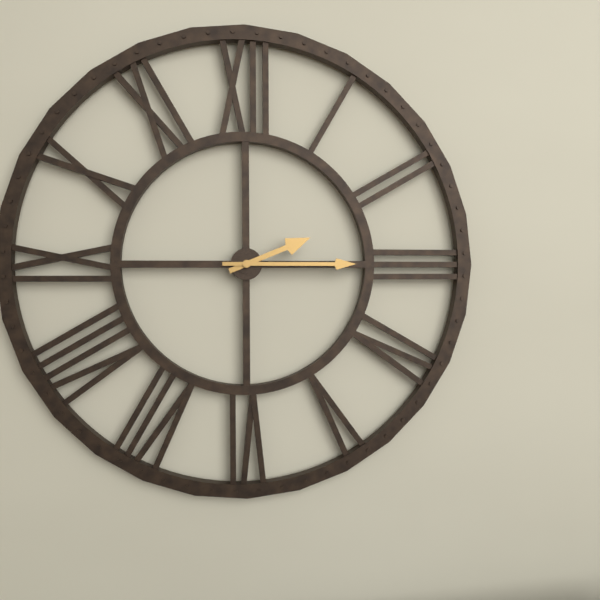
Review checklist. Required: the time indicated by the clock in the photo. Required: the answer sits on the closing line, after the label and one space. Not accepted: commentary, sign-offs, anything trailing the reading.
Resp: 2:15
